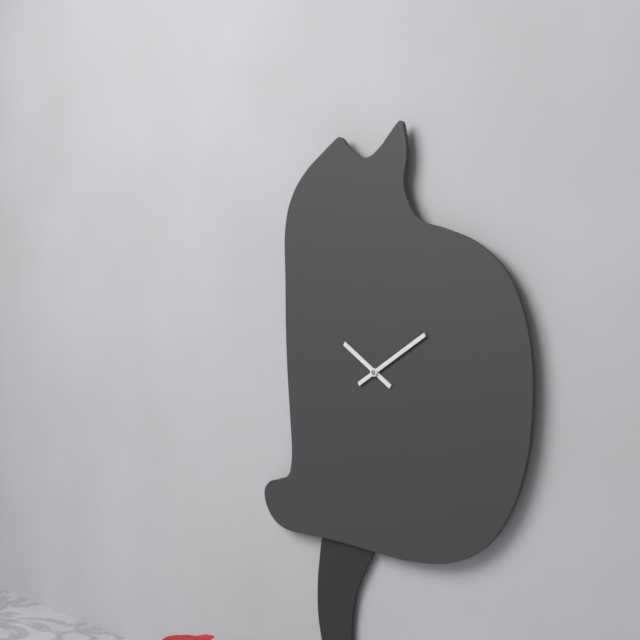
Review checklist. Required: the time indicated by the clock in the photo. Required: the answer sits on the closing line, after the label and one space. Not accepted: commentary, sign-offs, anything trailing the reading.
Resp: 10:10
